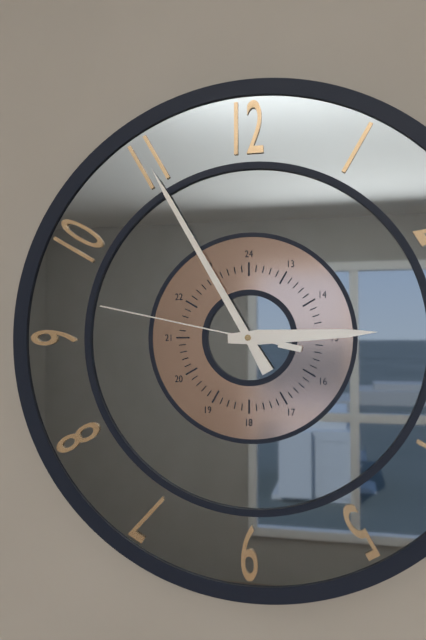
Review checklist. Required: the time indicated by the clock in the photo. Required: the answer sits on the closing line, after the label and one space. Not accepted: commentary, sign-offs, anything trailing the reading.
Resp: 2:55:47
